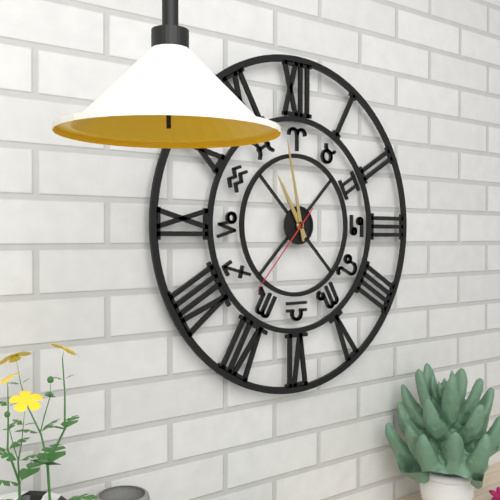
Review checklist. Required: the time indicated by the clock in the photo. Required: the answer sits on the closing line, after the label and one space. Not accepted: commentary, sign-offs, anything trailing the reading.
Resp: 10:58:37
